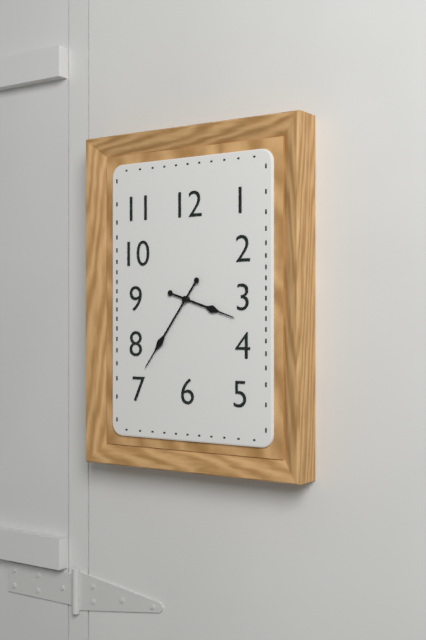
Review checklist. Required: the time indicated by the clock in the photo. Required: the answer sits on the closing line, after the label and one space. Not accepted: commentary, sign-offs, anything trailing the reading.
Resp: 3:36
